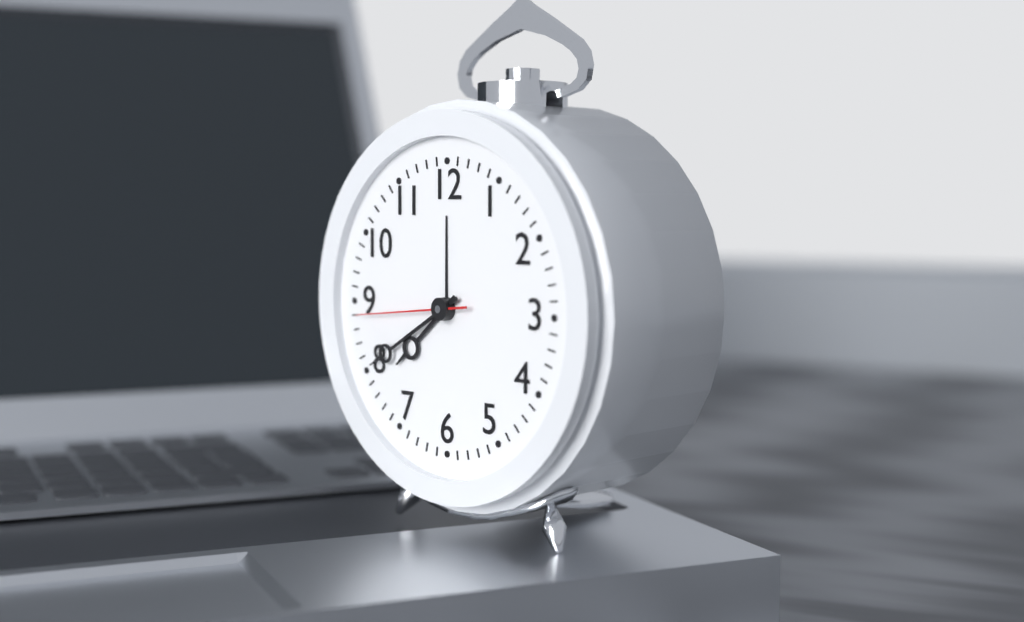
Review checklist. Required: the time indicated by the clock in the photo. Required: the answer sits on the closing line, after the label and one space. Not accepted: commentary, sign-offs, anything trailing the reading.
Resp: 7:40:44
